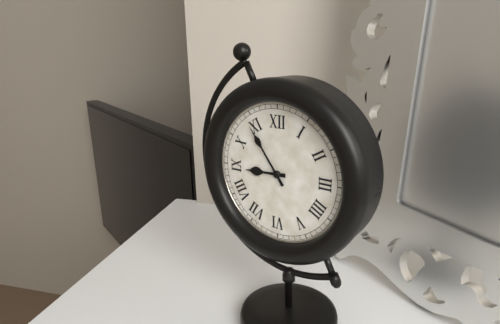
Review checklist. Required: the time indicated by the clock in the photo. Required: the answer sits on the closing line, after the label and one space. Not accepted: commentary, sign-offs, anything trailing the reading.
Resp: 8:54
